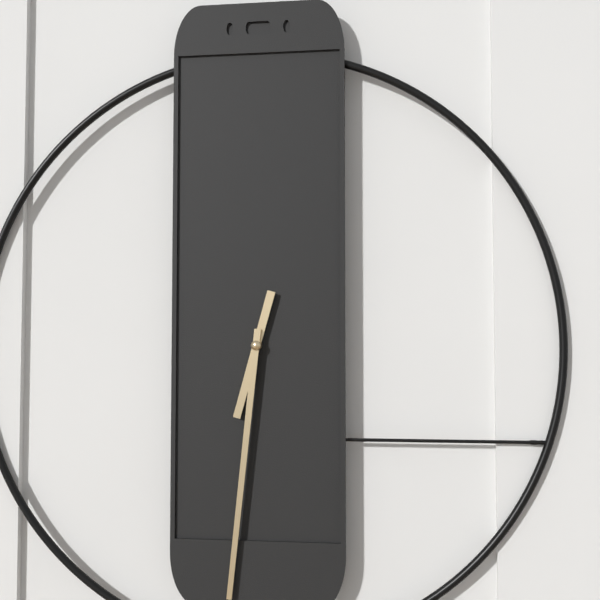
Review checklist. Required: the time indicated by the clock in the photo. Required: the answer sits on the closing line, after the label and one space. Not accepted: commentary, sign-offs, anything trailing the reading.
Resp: 6:31
